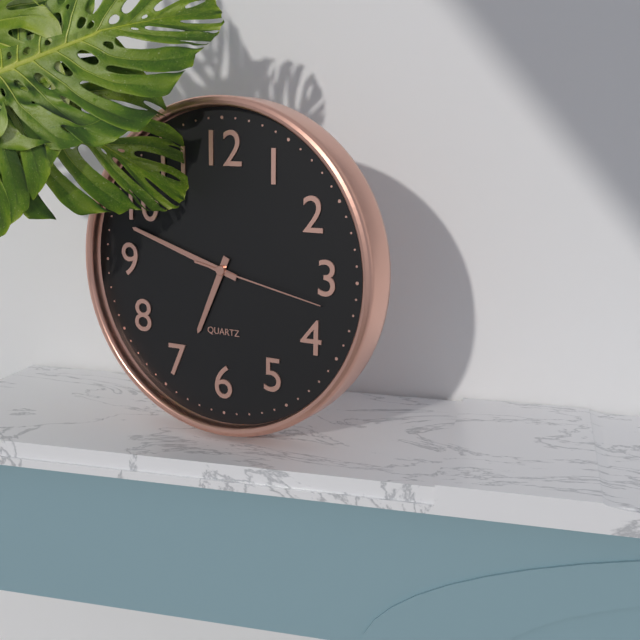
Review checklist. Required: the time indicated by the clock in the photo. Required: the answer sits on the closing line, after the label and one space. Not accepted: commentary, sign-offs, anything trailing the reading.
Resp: 6:48:17
